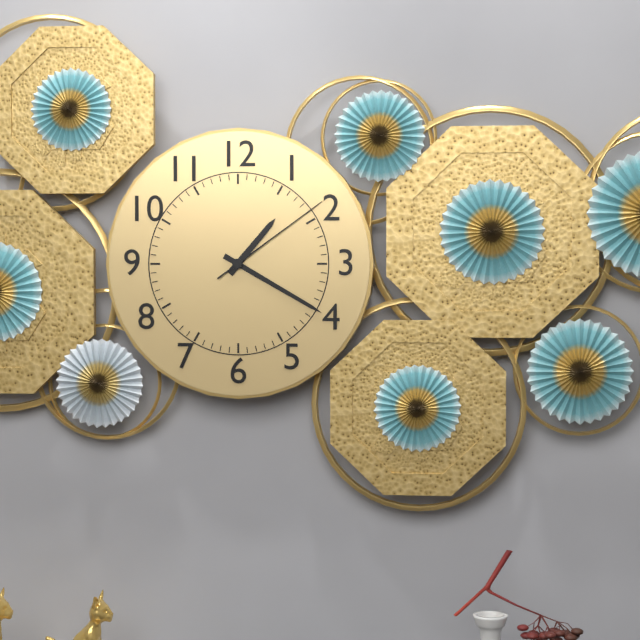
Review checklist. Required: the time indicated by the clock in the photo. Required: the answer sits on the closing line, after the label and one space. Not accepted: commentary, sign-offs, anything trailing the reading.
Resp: 1:20:09
